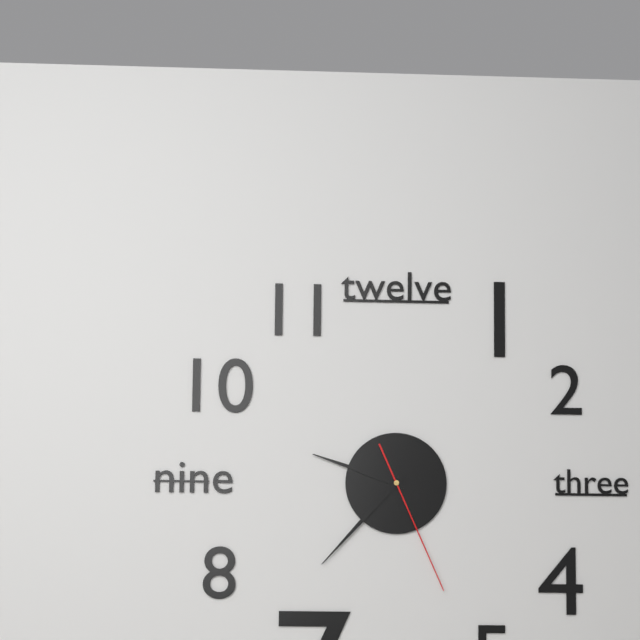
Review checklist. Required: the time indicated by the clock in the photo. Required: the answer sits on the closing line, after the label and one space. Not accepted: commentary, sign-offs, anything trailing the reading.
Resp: 9:37:26
